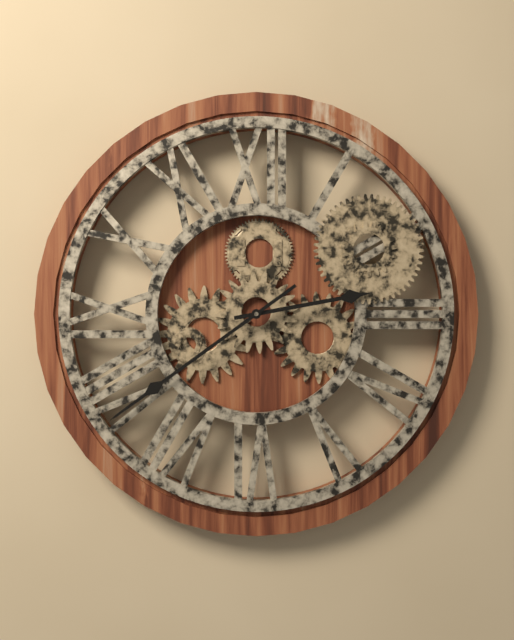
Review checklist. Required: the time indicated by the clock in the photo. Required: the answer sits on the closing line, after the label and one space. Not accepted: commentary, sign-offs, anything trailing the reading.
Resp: 2:39
